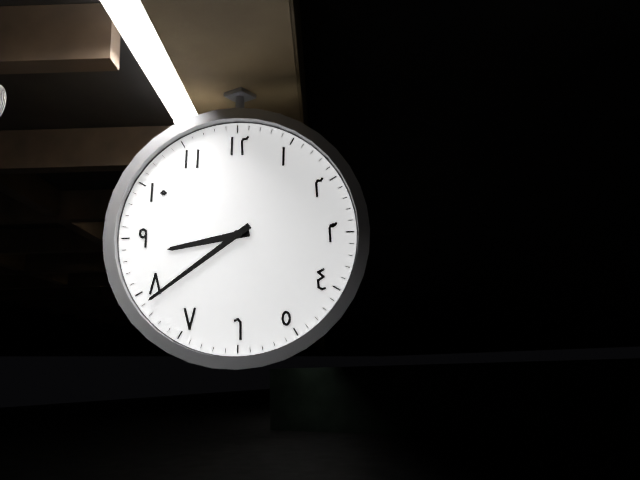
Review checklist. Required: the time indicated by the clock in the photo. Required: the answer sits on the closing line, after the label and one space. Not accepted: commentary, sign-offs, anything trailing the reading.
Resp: 8:39
